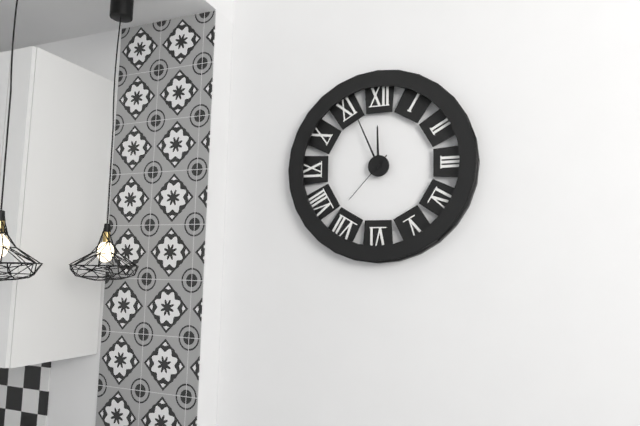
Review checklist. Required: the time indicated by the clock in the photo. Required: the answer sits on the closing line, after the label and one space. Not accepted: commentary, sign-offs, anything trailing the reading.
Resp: 11:56:37
